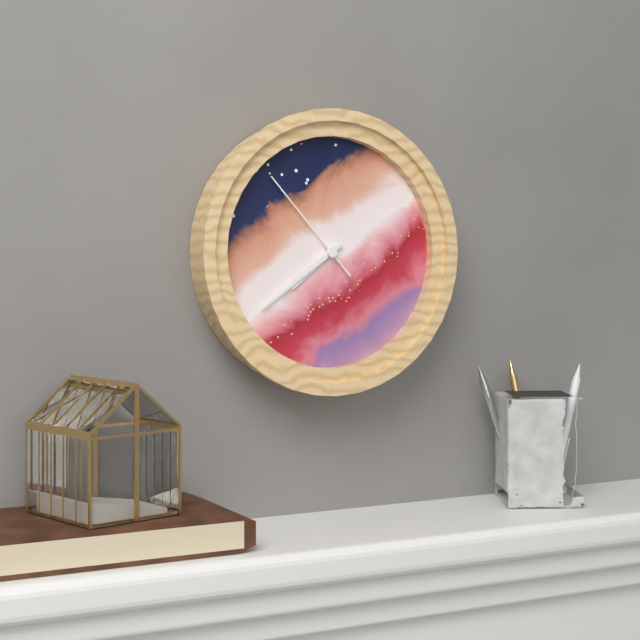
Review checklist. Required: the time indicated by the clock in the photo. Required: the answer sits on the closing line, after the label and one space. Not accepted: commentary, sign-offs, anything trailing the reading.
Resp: 7:39:53
